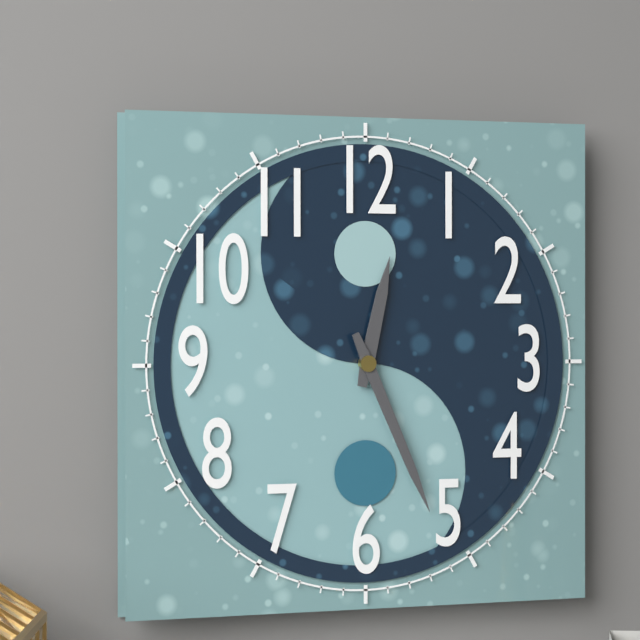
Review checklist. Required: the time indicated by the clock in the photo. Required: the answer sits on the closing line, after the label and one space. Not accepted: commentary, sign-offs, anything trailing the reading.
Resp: 12:26
